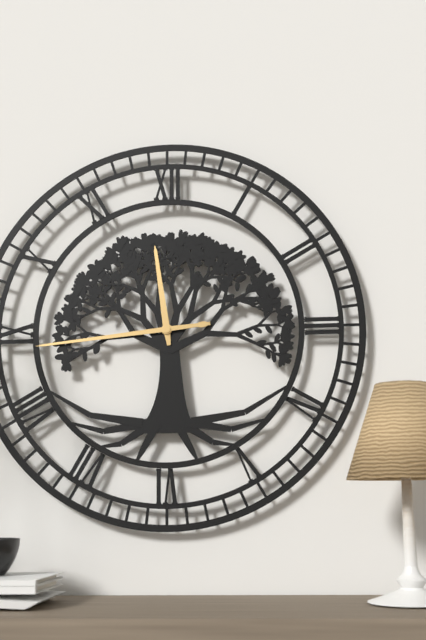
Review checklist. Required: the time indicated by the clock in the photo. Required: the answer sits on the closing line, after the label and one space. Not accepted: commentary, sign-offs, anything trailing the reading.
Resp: 11:44
